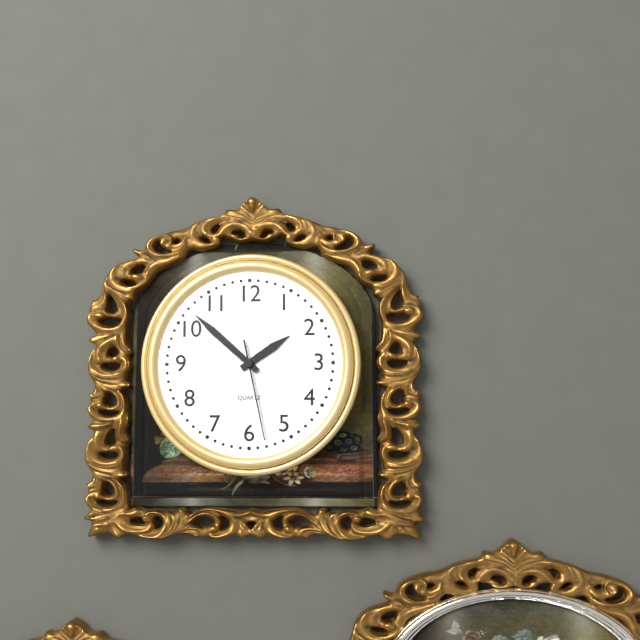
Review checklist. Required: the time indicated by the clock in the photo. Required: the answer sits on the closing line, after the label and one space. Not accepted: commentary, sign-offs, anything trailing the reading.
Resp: 1:52:28
